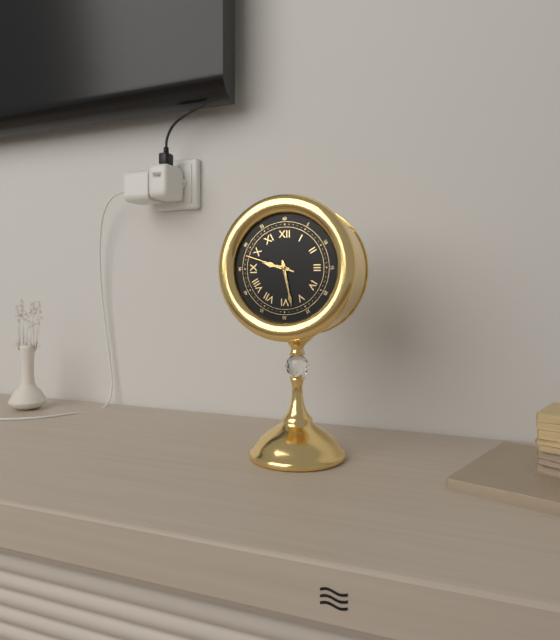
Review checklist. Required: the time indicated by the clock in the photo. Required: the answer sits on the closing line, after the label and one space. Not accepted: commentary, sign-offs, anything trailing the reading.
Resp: 9:28:48
